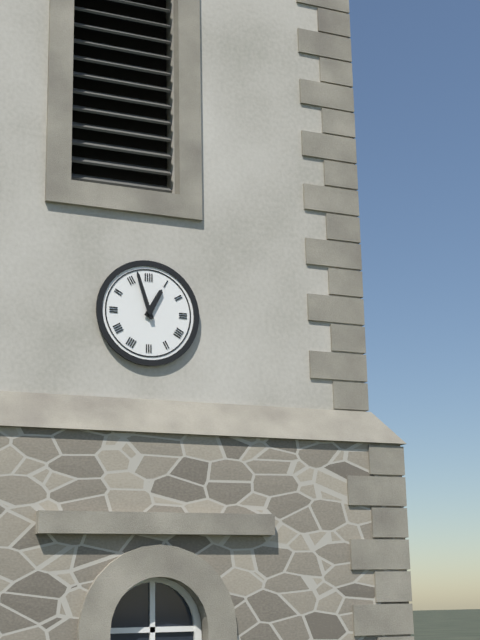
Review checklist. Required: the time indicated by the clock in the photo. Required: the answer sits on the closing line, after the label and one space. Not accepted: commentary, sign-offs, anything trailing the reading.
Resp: 12:57
